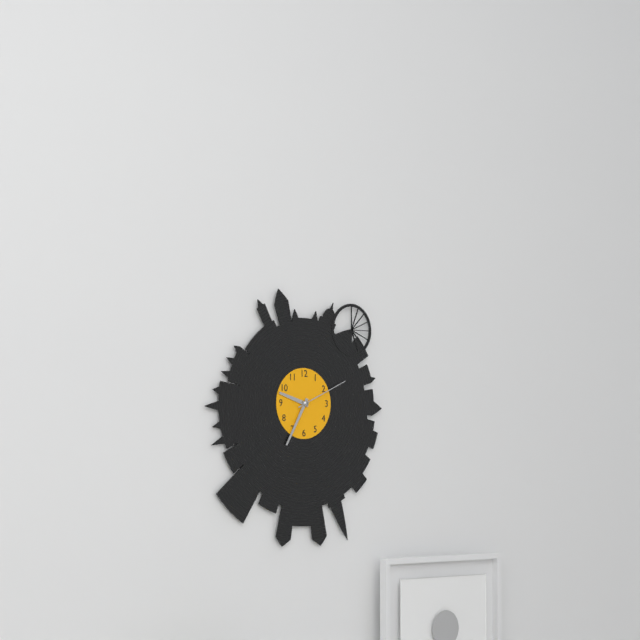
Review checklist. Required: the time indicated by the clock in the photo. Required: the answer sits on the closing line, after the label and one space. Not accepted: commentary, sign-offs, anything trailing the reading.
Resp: 9:35:11
